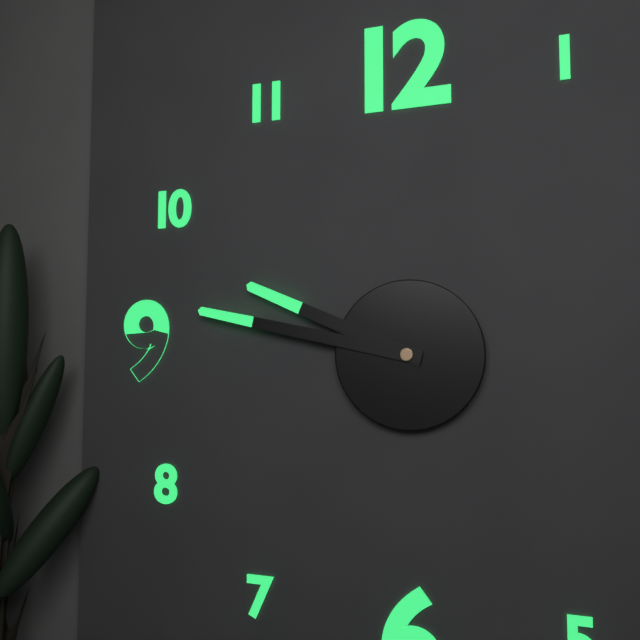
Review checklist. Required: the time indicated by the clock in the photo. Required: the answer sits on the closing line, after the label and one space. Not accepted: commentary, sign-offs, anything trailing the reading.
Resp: 9:47
